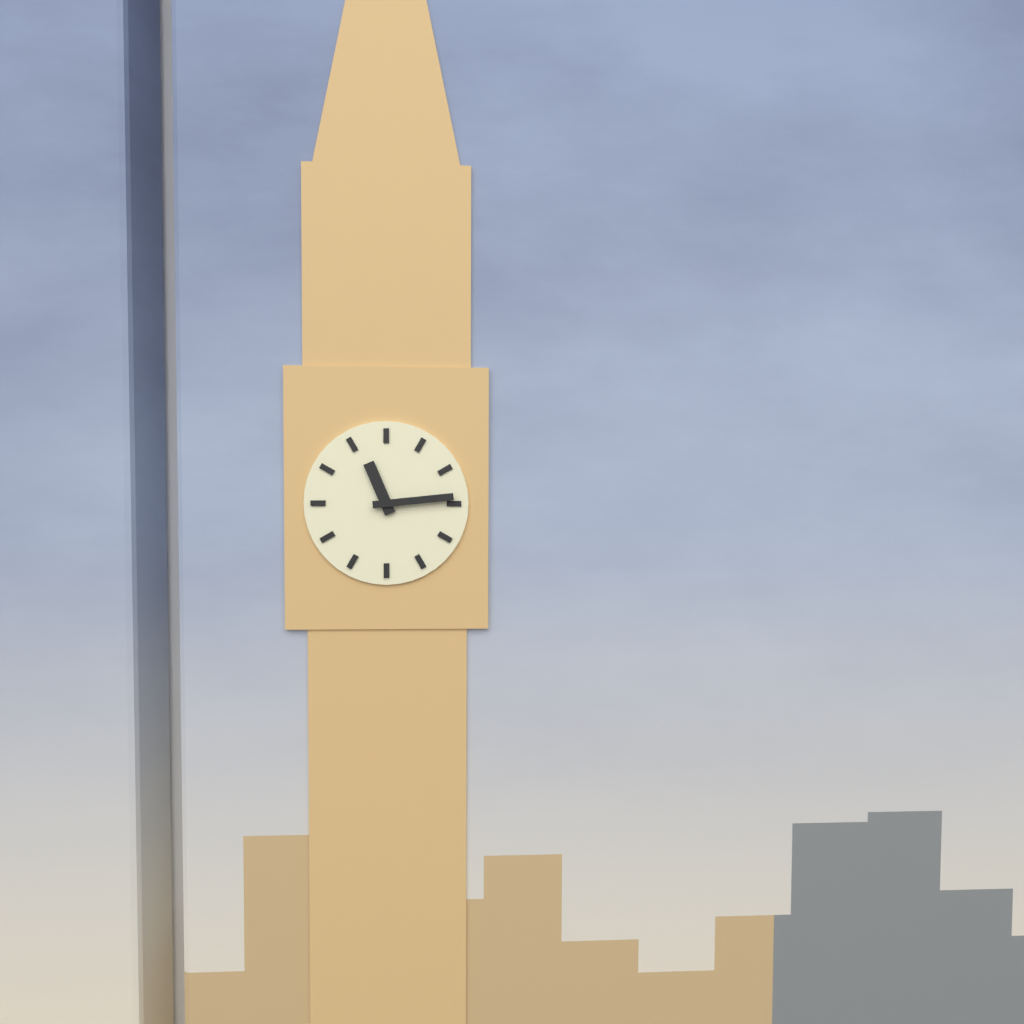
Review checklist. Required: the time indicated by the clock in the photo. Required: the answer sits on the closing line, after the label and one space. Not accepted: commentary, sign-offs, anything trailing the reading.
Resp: 11:14
